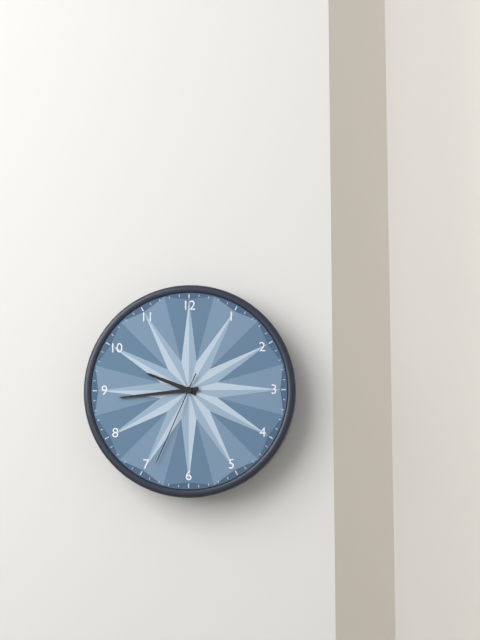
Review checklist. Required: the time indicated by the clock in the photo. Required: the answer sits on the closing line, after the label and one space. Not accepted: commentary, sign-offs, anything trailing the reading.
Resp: 9:44:34
